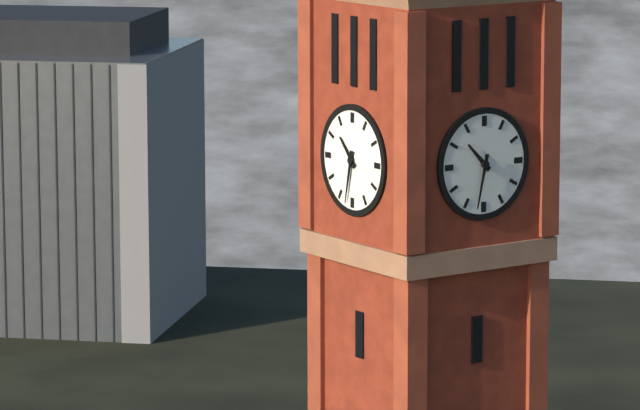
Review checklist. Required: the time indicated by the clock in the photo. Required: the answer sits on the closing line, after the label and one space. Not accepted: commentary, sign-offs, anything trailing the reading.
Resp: 10:32
